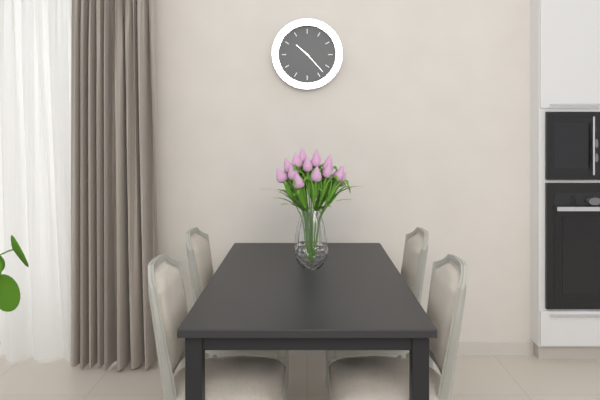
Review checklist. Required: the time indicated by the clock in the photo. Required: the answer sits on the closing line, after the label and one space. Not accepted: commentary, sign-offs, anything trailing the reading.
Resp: 10:23
